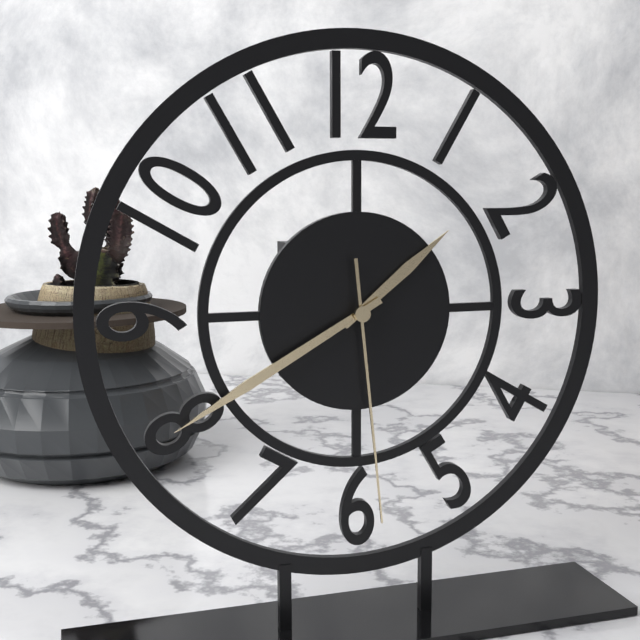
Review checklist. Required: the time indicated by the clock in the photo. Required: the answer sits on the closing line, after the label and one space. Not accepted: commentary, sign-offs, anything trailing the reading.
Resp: 1:40:29
